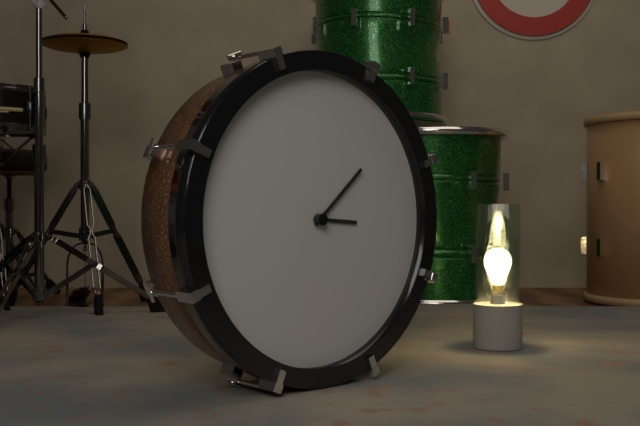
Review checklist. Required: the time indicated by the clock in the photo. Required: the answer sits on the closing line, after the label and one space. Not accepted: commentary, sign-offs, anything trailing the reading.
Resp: 3:08
